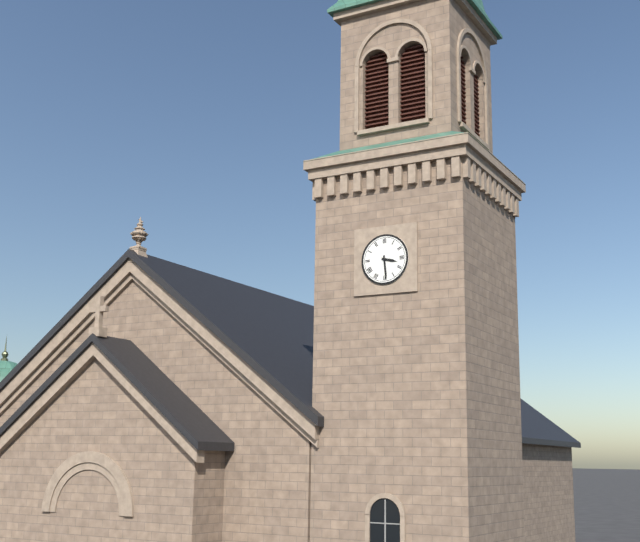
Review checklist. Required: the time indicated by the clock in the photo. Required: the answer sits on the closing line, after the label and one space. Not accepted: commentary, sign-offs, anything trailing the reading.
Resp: 3:29
